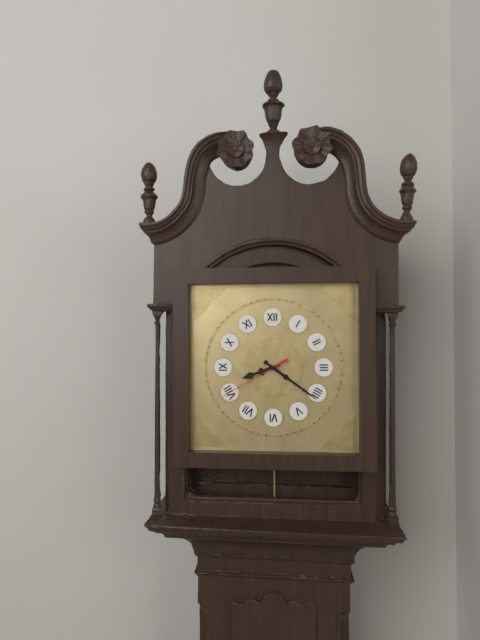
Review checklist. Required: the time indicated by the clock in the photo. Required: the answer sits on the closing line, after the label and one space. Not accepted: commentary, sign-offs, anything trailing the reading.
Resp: 8:21:40
